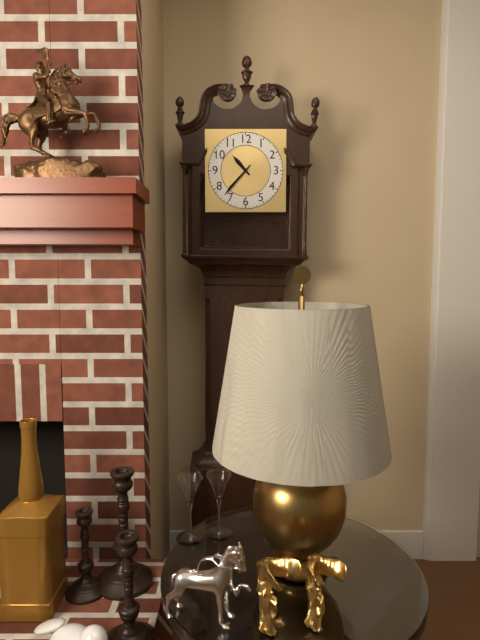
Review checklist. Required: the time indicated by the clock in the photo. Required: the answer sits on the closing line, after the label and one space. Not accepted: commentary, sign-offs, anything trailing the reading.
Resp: 10:37
